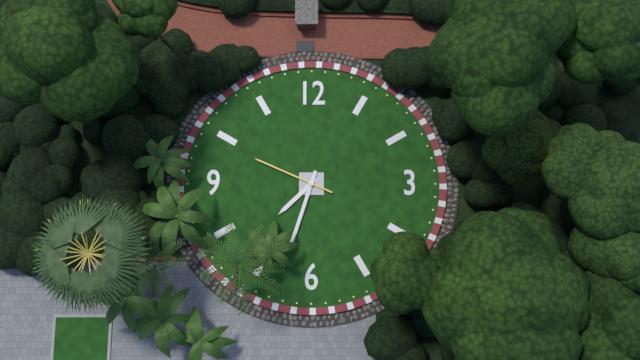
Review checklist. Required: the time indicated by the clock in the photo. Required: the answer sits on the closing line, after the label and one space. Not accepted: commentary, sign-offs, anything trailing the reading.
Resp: 7:33:49
